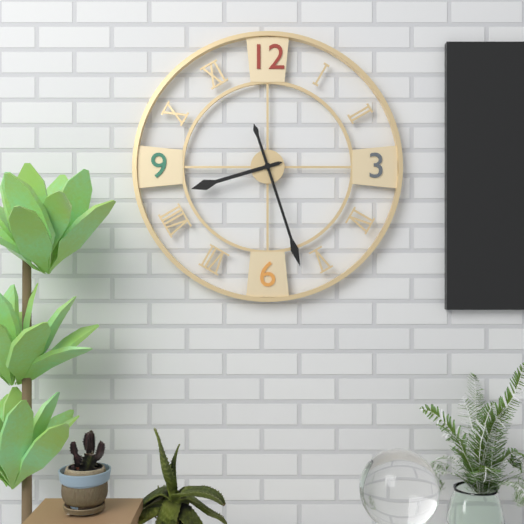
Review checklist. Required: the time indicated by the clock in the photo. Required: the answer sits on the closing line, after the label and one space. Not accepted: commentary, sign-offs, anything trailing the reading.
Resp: 8:27
